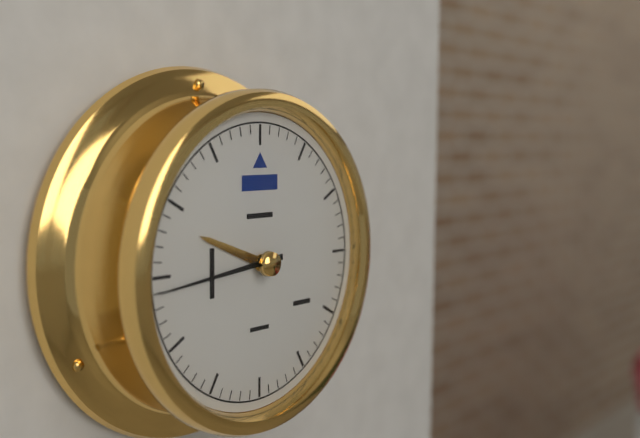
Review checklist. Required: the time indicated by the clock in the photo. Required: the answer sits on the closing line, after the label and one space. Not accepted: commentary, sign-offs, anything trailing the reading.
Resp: 9:44
